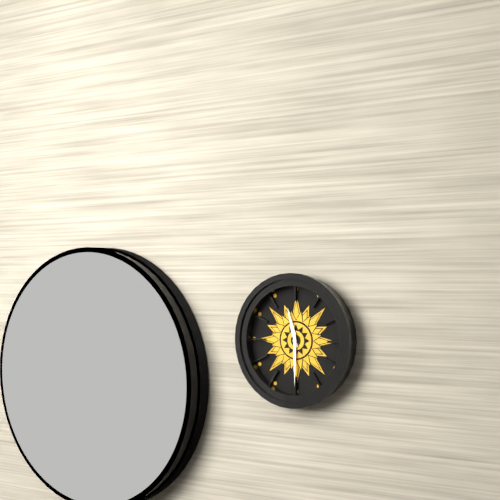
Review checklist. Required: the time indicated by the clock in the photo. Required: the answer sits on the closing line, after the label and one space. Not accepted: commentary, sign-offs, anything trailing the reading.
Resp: 11:30
